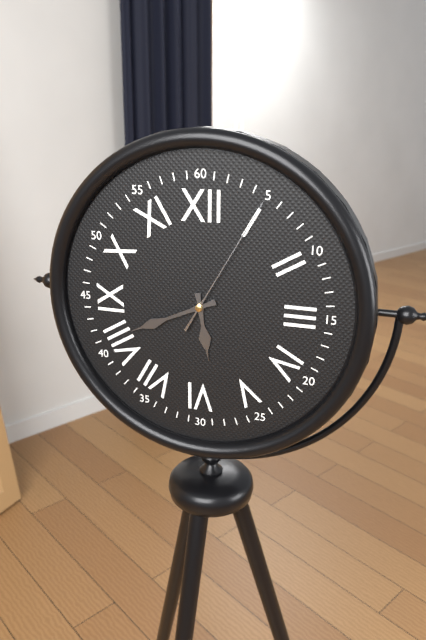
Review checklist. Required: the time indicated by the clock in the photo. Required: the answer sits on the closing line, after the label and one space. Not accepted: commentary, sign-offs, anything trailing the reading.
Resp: 5:41:05
